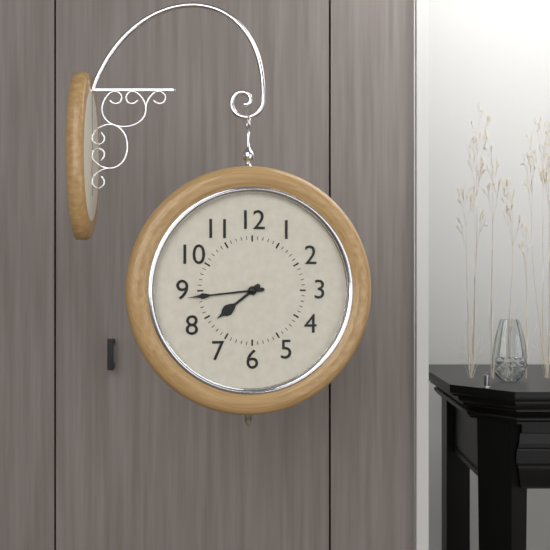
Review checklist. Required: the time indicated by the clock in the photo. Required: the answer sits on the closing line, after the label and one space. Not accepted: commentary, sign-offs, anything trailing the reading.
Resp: 7:44
